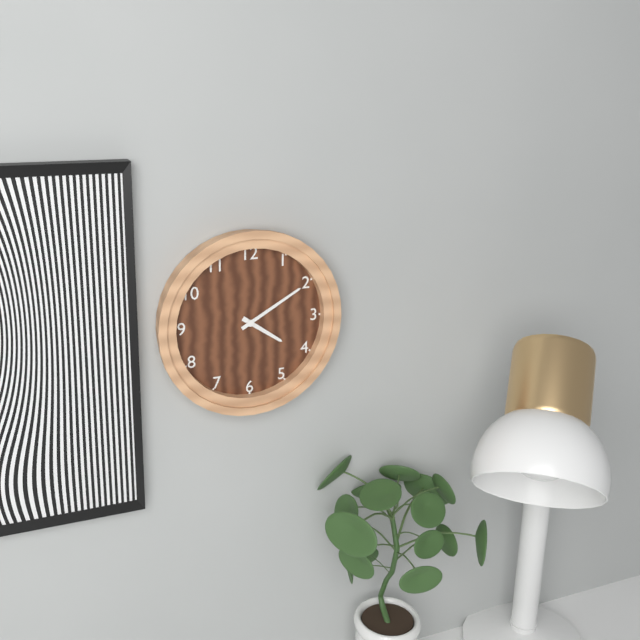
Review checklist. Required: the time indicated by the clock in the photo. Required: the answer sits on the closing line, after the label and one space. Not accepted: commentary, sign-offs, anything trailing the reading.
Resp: 4:10
